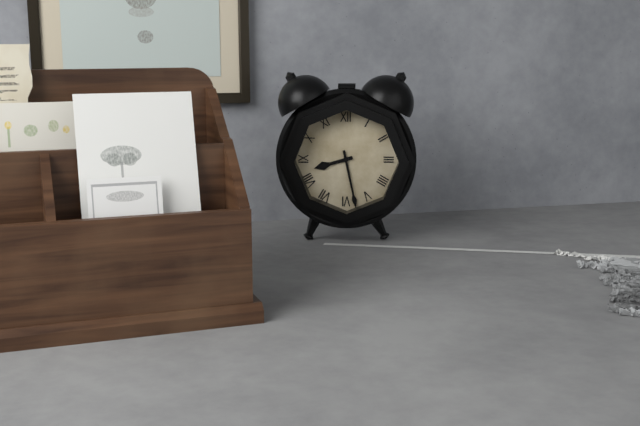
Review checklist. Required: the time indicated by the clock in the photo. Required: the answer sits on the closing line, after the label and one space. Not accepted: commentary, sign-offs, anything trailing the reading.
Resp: 8:28
